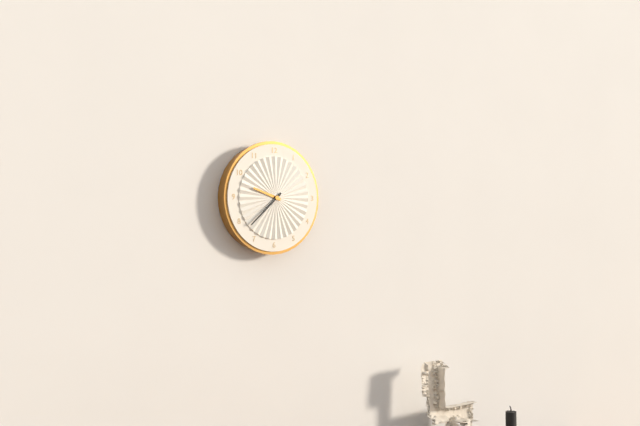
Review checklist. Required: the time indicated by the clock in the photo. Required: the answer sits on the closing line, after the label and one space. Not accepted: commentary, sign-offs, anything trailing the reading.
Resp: 9:38
